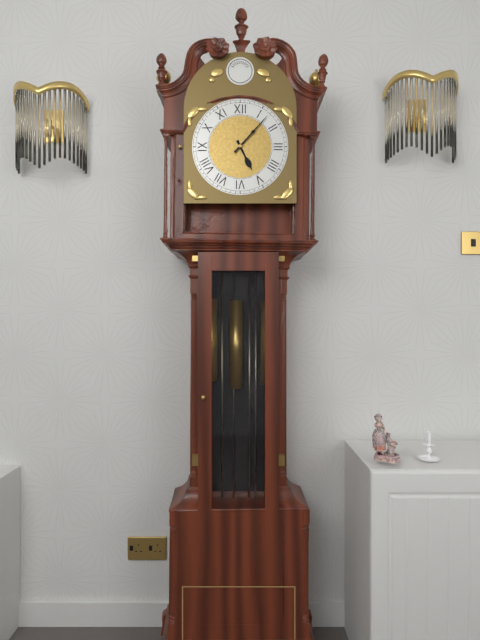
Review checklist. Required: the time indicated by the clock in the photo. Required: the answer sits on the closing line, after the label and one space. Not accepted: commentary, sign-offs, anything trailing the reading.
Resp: 5:07
